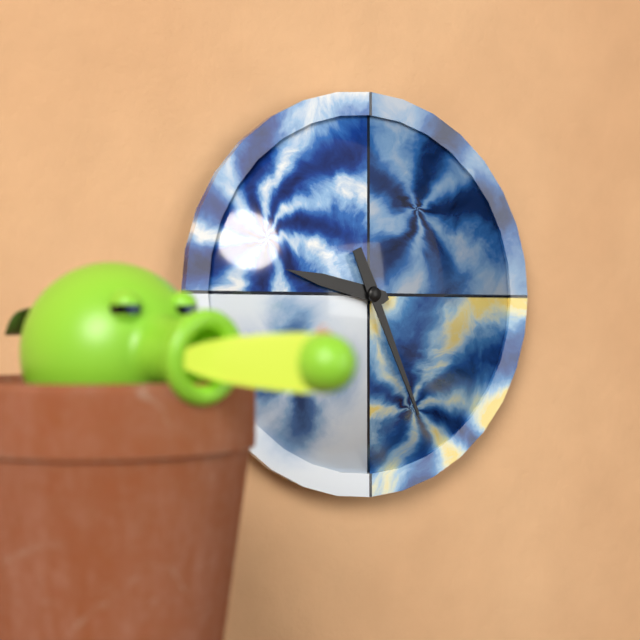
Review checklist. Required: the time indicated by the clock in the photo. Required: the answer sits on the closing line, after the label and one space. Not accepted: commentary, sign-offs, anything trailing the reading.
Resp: 9:26
